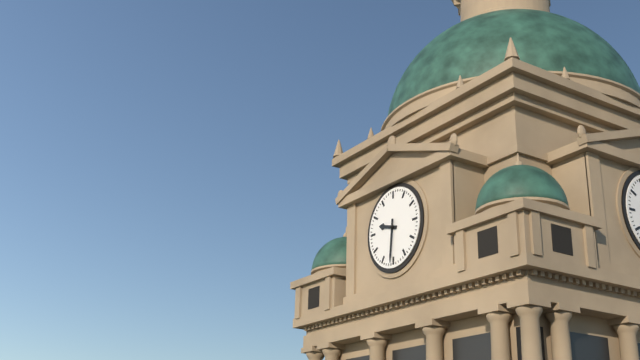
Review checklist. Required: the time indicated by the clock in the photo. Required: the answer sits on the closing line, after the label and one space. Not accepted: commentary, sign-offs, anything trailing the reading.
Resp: 9:31
